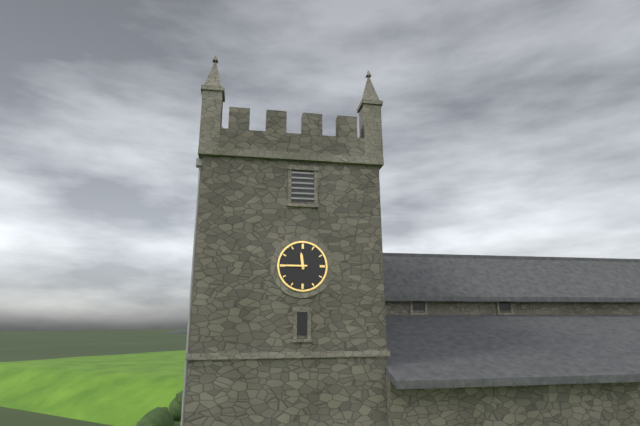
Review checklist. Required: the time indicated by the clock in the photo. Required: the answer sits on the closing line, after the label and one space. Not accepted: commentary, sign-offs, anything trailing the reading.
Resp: 11:45
